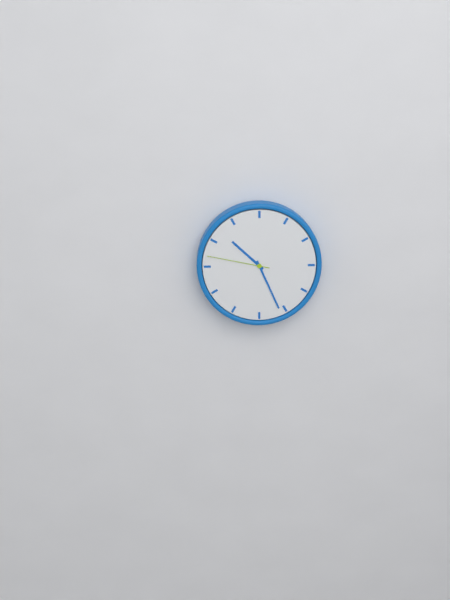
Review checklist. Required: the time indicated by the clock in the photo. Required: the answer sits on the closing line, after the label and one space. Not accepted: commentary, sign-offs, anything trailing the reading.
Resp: 10:26:47
